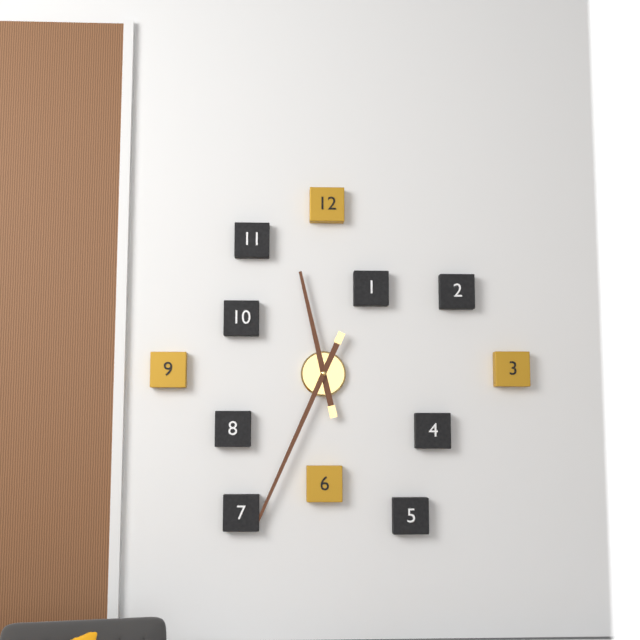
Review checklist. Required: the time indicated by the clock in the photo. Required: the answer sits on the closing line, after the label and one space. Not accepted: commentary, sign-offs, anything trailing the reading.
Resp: 11:34
